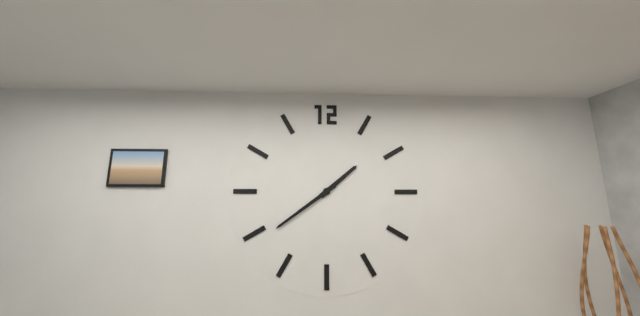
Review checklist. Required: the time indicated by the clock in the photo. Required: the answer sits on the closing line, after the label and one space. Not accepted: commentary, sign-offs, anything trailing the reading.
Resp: 1:39
